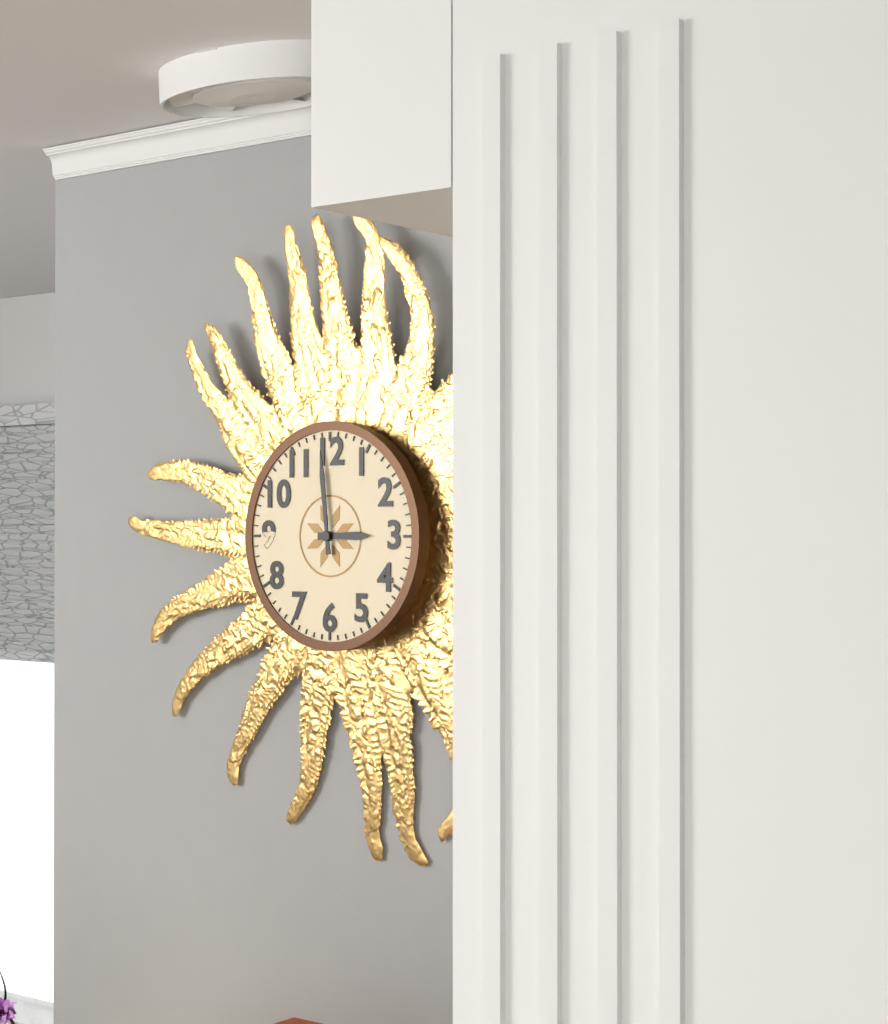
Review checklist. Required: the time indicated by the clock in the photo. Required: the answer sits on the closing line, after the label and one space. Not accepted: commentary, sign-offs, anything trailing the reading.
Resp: 2:59
